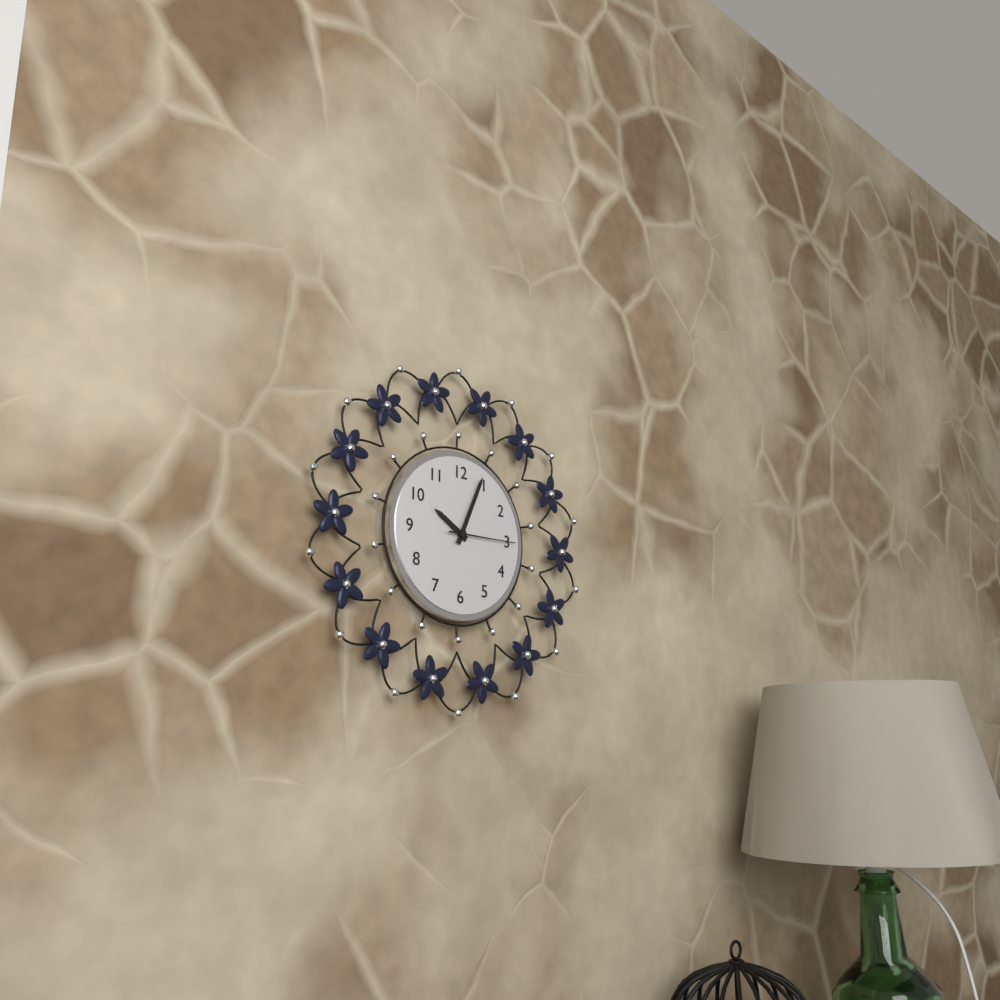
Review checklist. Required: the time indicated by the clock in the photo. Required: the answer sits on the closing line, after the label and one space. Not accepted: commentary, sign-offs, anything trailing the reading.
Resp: 10:04:15
